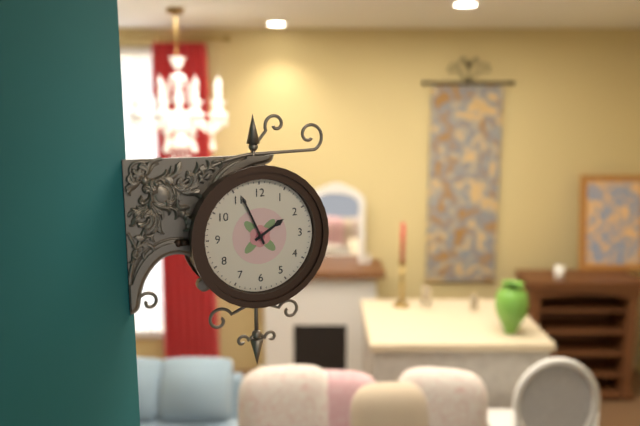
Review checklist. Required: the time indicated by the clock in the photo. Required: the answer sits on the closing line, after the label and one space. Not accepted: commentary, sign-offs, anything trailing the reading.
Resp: 1:56
